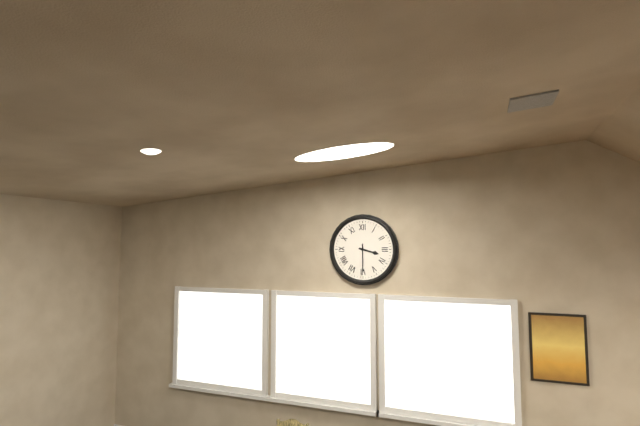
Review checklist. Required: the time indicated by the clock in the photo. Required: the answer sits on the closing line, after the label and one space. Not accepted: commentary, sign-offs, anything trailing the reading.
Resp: 3:30
